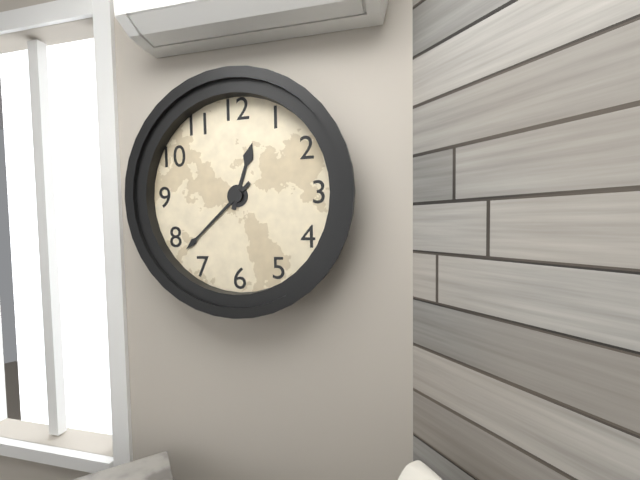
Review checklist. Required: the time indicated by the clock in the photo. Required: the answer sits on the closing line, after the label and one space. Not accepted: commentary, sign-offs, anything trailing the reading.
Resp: 12:38
